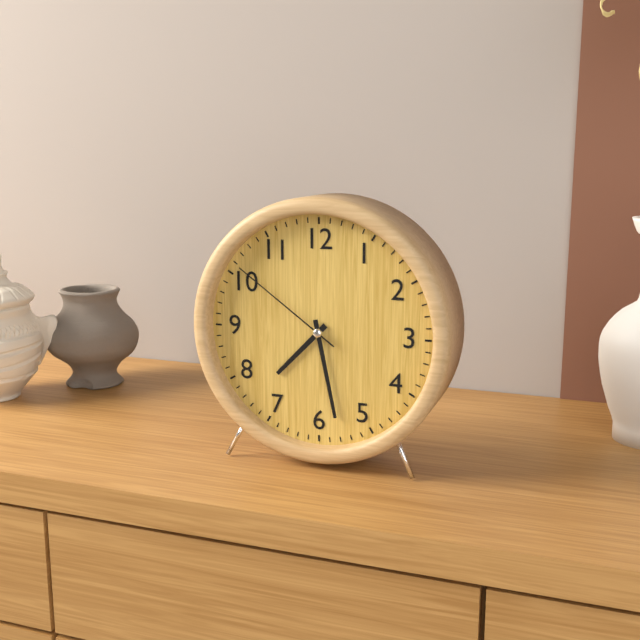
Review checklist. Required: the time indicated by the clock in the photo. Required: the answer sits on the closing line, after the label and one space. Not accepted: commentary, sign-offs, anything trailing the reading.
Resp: 7:28:51
